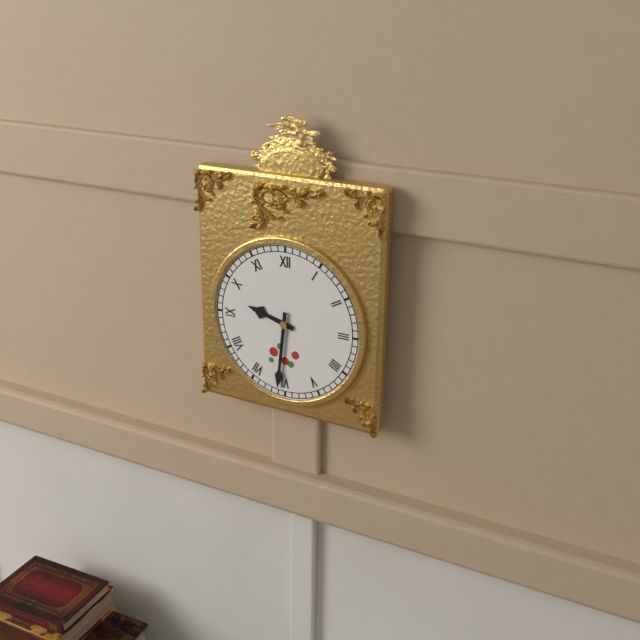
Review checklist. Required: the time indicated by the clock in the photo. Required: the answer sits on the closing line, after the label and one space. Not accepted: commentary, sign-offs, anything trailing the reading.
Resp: 9:31
